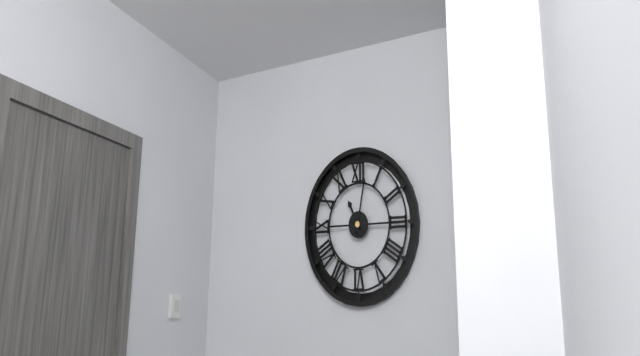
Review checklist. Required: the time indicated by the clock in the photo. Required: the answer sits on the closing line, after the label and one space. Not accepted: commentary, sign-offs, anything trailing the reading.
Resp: 11:02
